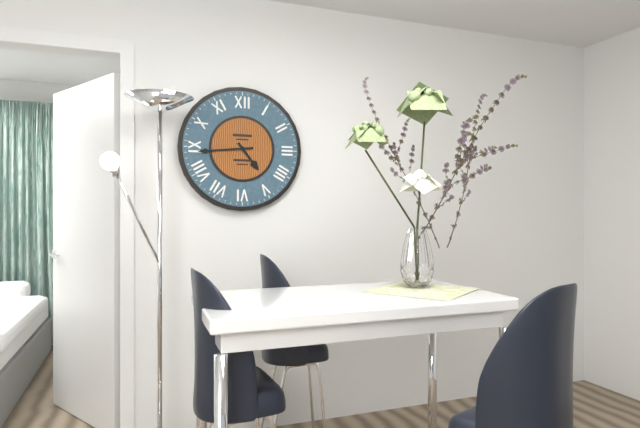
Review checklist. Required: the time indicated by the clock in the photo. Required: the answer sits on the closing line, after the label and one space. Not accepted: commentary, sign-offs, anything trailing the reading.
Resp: 4:44
